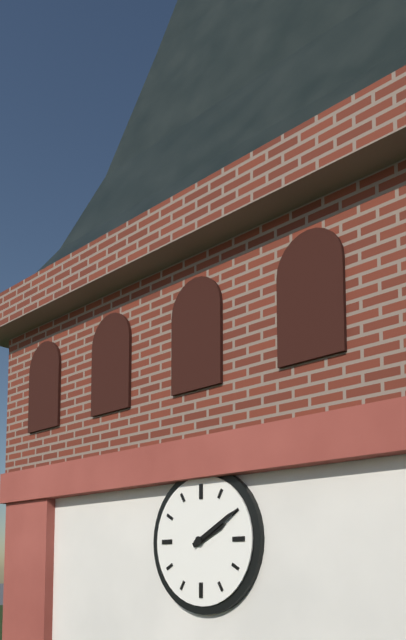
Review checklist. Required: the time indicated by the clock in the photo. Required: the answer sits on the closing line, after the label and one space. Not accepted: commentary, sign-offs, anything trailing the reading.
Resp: 2:10
